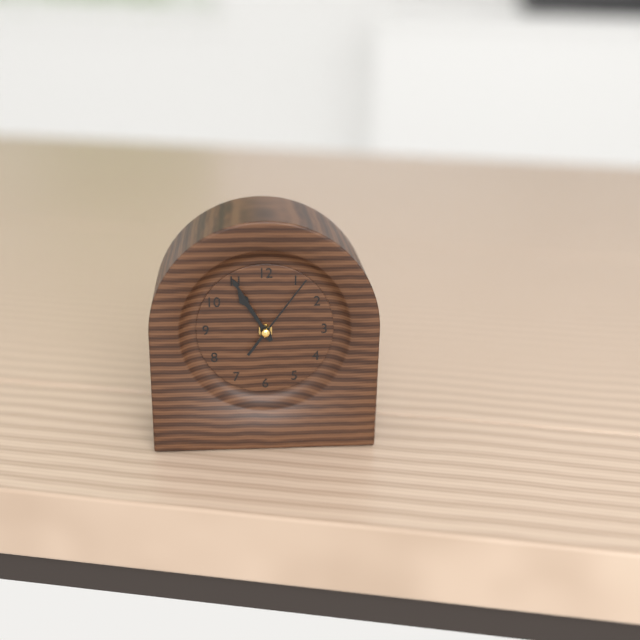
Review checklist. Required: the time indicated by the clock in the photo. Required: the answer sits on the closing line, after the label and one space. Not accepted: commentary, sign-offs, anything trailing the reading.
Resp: 10:55:06
